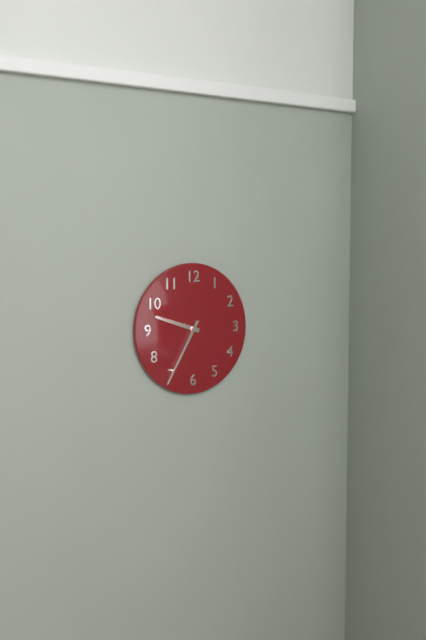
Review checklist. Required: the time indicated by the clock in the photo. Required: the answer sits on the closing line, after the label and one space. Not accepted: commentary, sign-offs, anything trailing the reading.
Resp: 9:35
